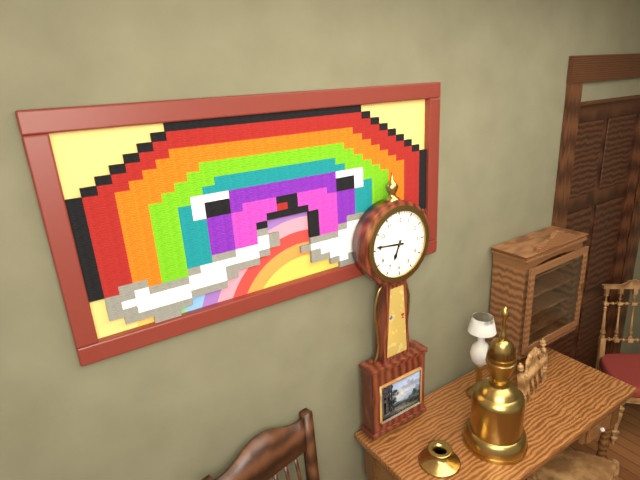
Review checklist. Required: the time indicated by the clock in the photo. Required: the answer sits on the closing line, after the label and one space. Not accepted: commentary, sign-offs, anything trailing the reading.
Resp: 6:46
